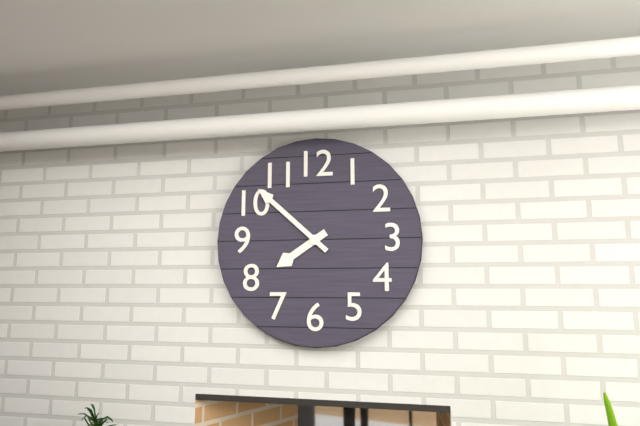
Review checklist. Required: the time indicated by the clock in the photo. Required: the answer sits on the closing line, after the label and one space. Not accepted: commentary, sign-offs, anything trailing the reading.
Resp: 7:52
